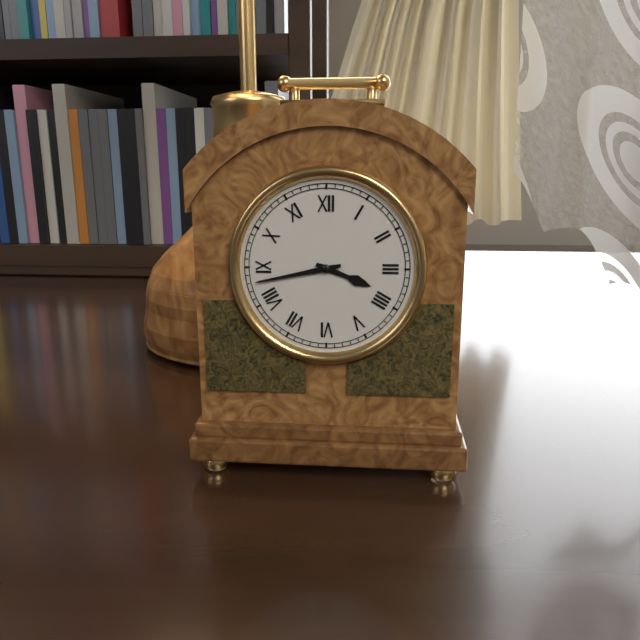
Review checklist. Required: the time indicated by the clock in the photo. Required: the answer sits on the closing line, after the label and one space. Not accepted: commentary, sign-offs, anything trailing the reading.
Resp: 3:43
